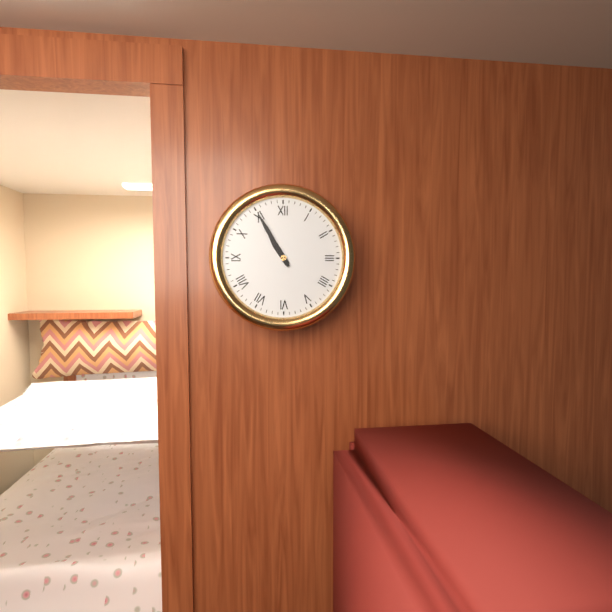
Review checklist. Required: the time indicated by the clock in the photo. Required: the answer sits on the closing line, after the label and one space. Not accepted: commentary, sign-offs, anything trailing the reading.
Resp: 10:55
